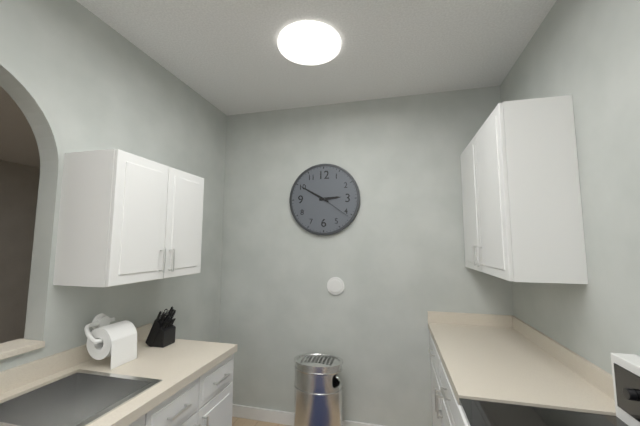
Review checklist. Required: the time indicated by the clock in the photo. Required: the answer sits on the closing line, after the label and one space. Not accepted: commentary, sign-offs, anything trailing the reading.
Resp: 2:50
